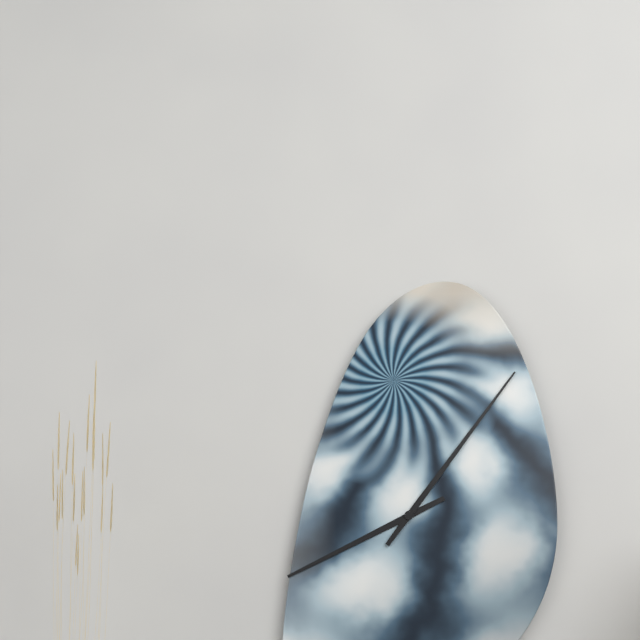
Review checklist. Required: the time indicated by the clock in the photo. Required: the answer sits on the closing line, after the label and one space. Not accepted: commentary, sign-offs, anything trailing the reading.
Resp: 8:06
